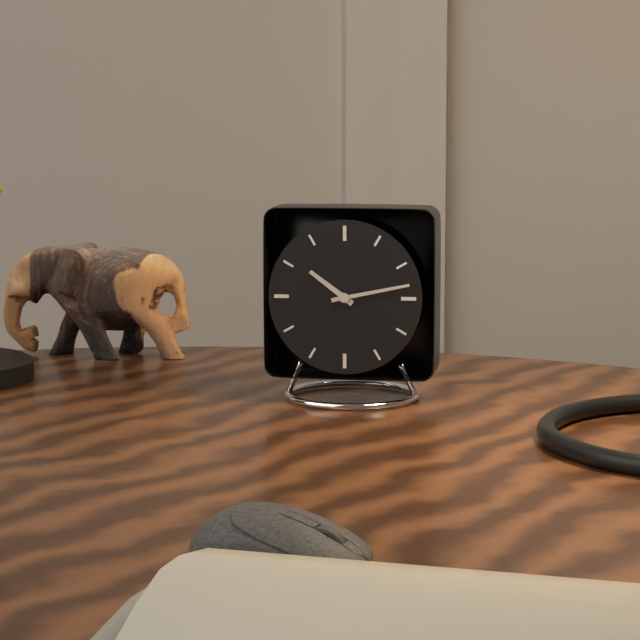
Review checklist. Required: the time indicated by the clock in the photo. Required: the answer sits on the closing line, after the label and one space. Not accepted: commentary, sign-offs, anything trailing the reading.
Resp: 10:13
